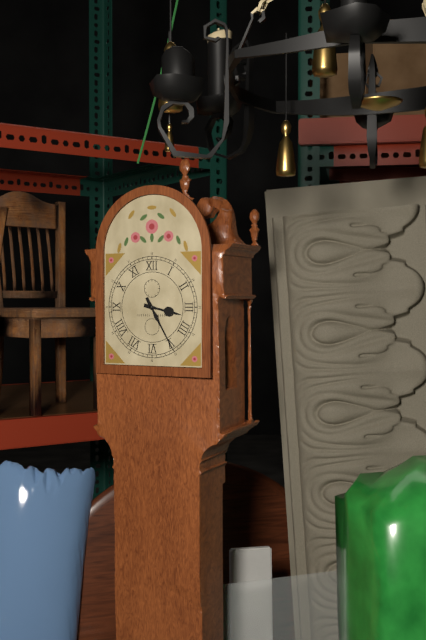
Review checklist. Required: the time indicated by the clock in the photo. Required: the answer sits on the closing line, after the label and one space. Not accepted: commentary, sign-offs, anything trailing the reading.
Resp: 3:25
